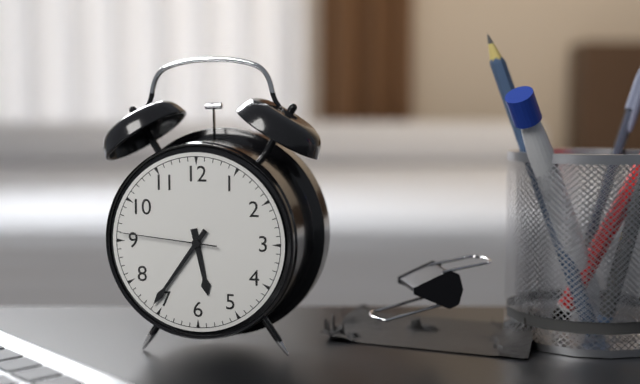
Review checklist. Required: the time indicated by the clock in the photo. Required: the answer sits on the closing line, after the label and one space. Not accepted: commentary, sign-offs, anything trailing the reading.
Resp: 5:36:46
